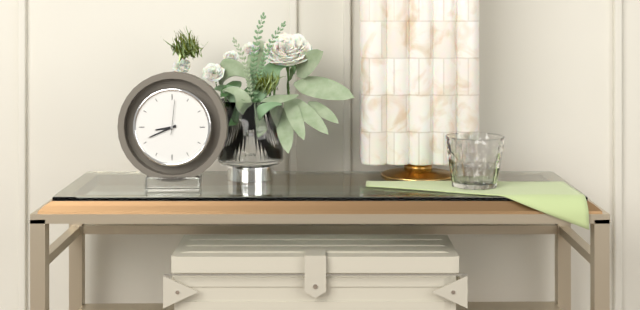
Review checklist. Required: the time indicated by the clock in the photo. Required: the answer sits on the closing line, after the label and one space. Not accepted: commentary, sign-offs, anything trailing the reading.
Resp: 8:41
